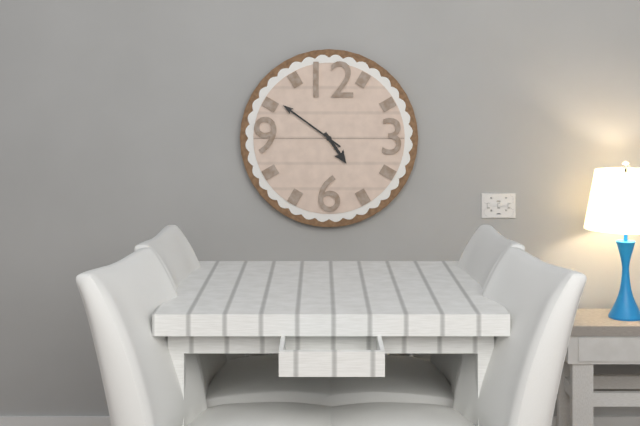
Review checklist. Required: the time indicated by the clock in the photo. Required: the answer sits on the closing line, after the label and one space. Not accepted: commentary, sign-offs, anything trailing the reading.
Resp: 4:51
